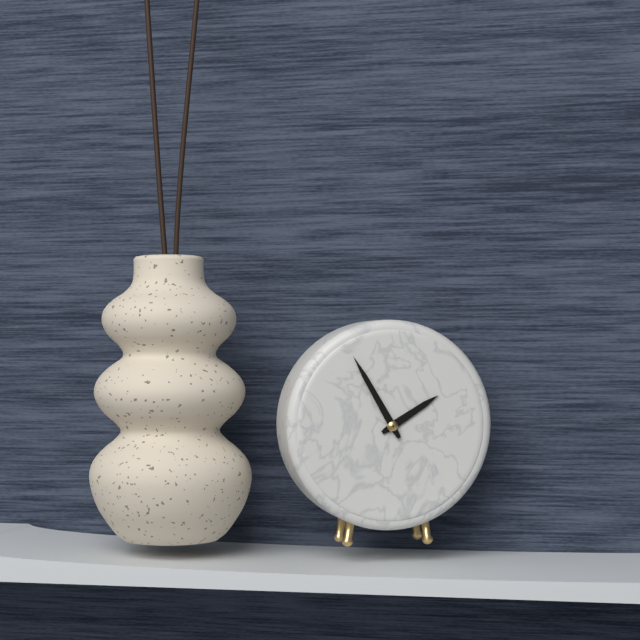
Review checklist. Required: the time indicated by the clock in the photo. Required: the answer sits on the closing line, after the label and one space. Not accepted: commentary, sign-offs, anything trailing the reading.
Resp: 1:55
